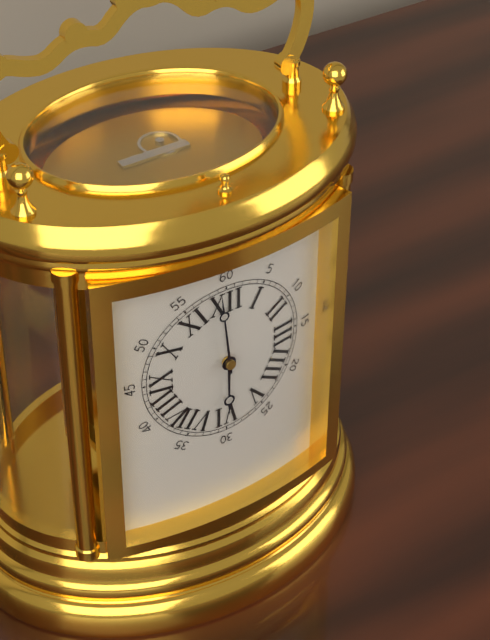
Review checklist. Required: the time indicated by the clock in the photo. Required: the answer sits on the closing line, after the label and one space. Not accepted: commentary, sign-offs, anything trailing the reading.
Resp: 5:59
